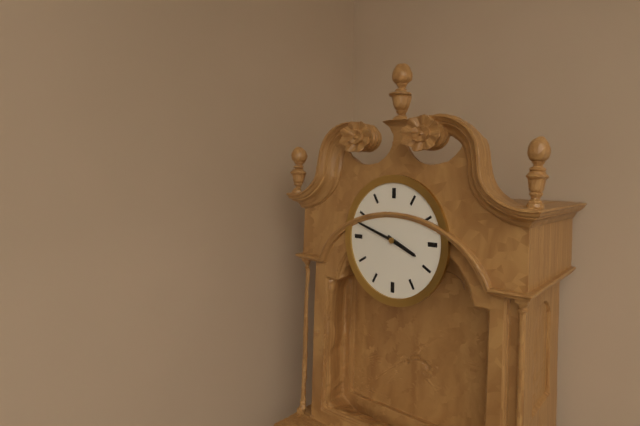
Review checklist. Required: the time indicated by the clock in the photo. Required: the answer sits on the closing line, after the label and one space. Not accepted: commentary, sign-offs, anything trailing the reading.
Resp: 3:48
